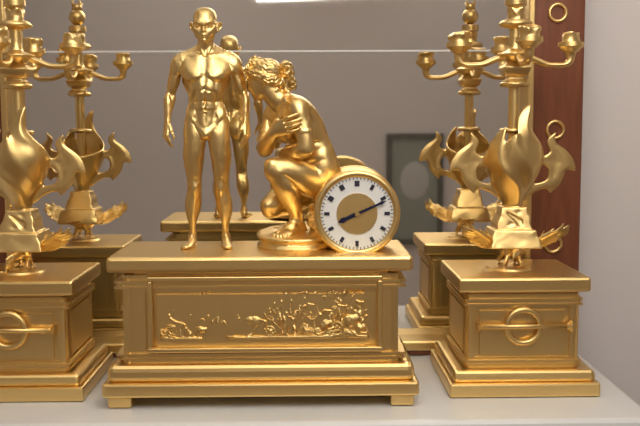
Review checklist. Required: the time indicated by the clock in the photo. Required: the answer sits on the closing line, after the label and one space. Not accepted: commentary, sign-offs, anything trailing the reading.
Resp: 8:11
